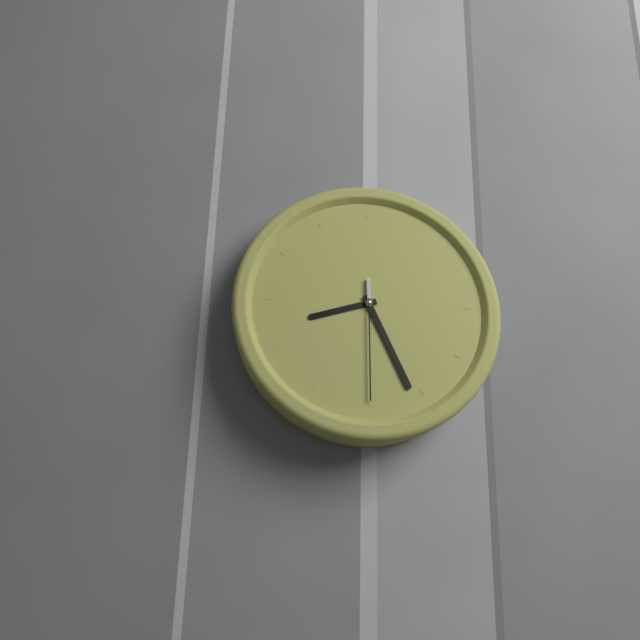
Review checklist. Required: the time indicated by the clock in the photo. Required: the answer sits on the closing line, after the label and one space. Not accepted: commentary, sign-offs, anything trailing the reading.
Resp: 8:26:30
